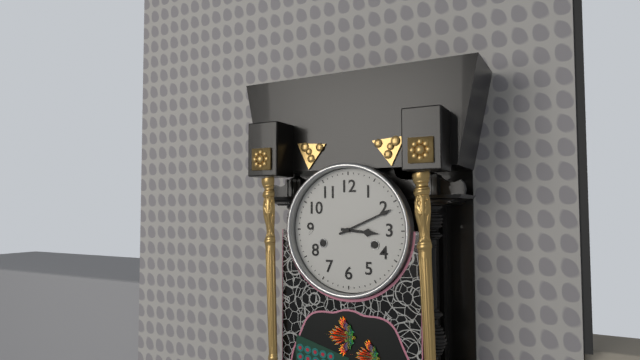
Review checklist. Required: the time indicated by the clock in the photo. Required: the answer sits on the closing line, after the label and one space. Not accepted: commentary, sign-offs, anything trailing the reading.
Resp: 3:11
